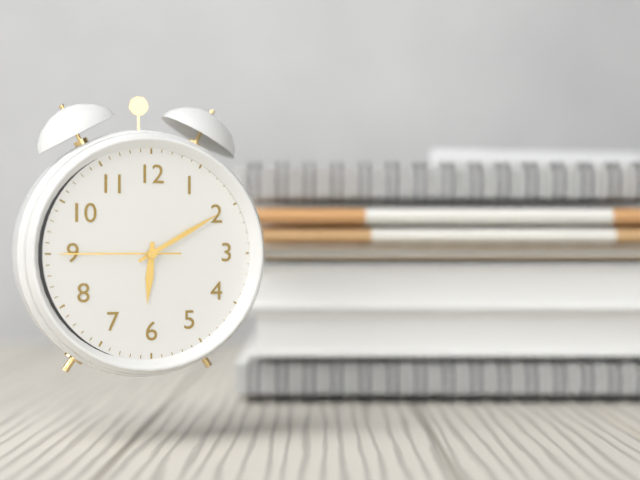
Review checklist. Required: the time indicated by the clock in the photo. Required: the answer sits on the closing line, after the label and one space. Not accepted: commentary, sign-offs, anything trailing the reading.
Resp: 6:10:45
